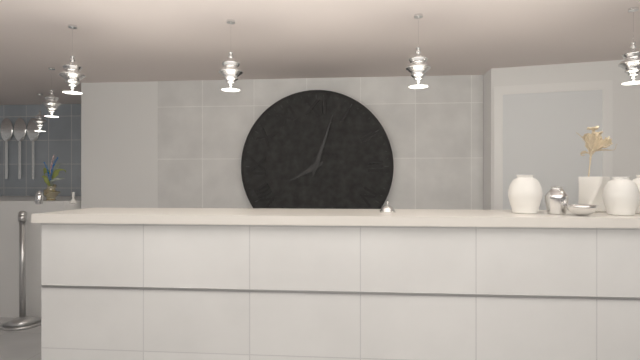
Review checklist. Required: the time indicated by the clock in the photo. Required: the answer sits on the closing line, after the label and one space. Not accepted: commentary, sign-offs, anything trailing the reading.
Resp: 8:03
